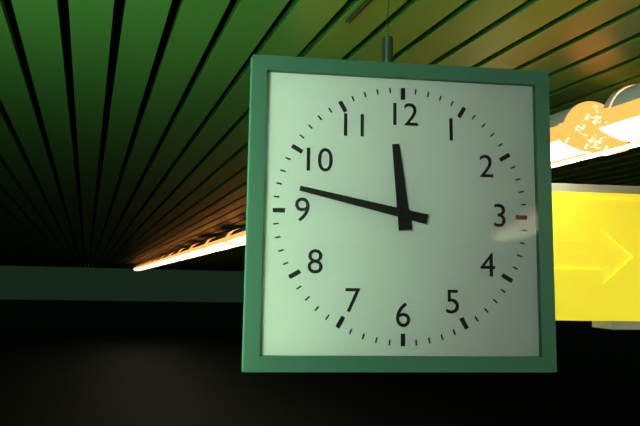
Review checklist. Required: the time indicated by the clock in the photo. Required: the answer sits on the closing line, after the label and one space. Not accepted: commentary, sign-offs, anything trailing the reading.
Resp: 11:47
